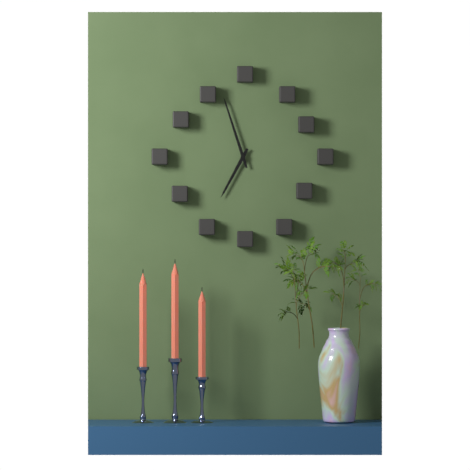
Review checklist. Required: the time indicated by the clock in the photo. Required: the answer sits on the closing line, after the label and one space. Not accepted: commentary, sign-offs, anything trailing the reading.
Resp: 6:57
